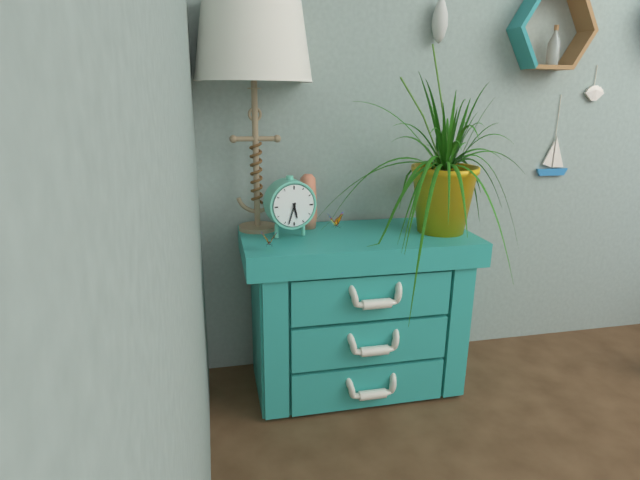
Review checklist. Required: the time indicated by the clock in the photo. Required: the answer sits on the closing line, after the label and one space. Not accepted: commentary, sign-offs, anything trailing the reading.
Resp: 5:33
